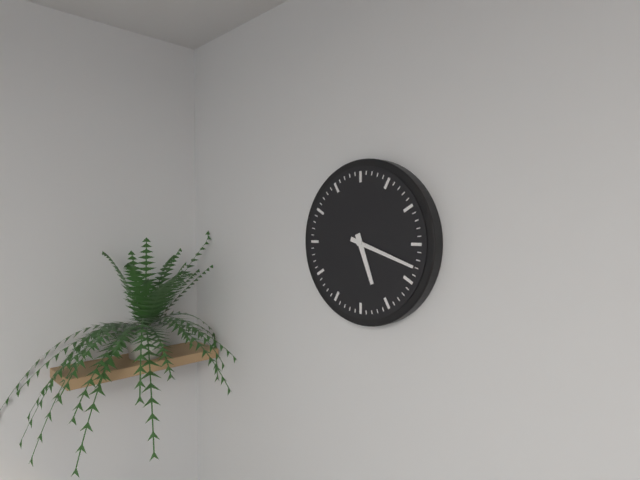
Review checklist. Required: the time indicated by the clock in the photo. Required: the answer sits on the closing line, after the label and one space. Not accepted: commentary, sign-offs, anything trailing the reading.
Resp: 5:18
